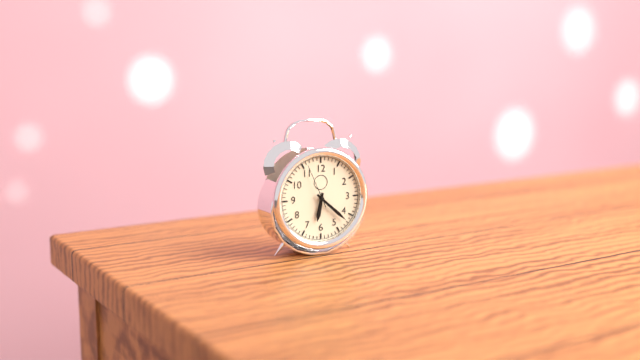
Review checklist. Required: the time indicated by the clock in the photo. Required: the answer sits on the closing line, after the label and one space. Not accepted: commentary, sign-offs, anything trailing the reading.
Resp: 6:22
